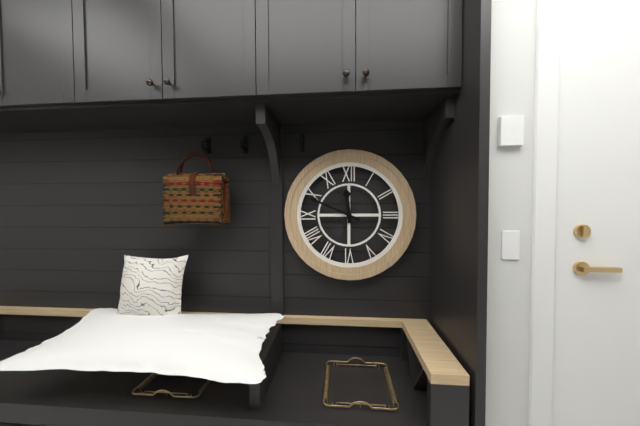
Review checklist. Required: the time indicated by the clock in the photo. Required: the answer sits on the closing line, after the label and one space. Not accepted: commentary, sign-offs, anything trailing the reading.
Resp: 11:49
